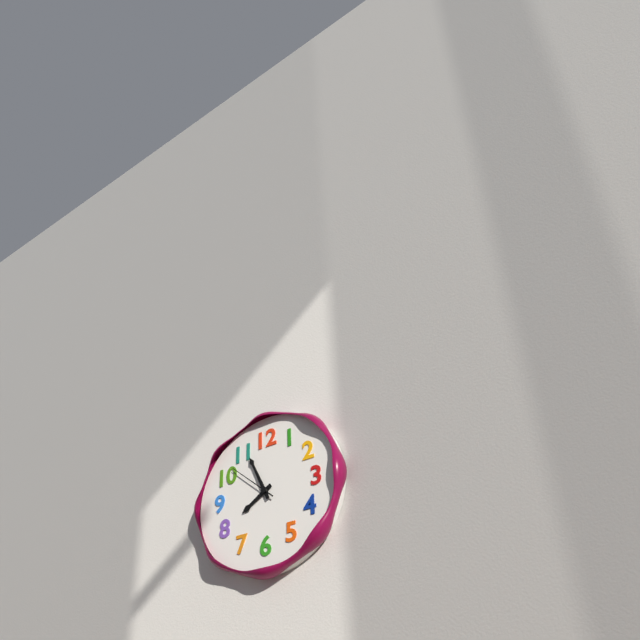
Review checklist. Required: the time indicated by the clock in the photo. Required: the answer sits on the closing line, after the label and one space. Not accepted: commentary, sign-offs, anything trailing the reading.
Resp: 7:56
